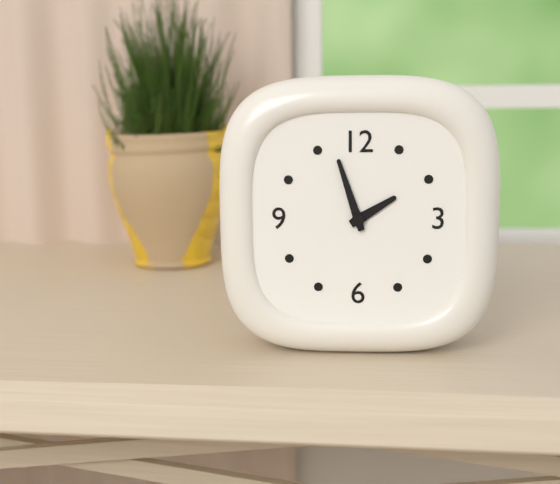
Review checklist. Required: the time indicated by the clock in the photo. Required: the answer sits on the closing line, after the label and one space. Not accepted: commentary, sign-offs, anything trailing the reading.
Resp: 1:57
